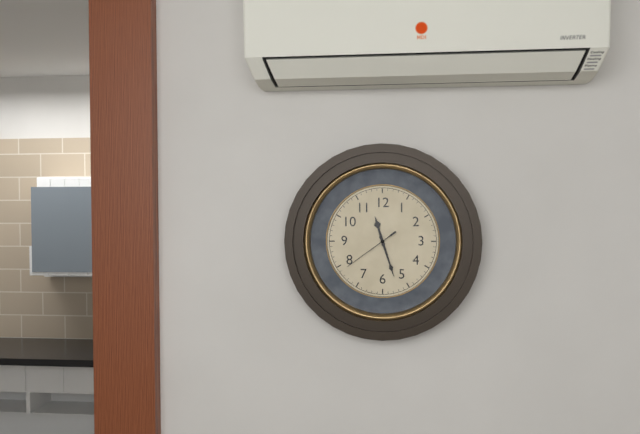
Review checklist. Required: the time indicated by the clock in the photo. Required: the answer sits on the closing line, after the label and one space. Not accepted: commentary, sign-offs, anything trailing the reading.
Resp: 11:27:39
